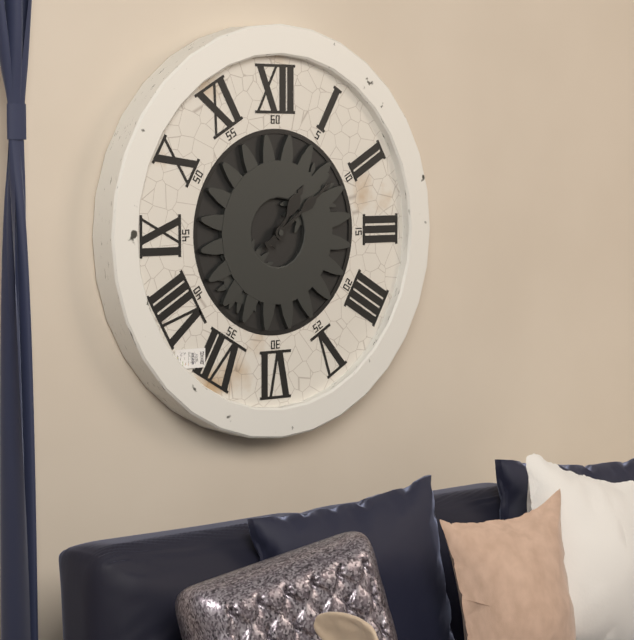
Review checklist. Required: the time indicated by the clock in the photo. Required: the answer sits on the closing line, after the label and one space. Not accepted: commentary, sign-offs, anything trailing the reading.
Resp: 1:09
